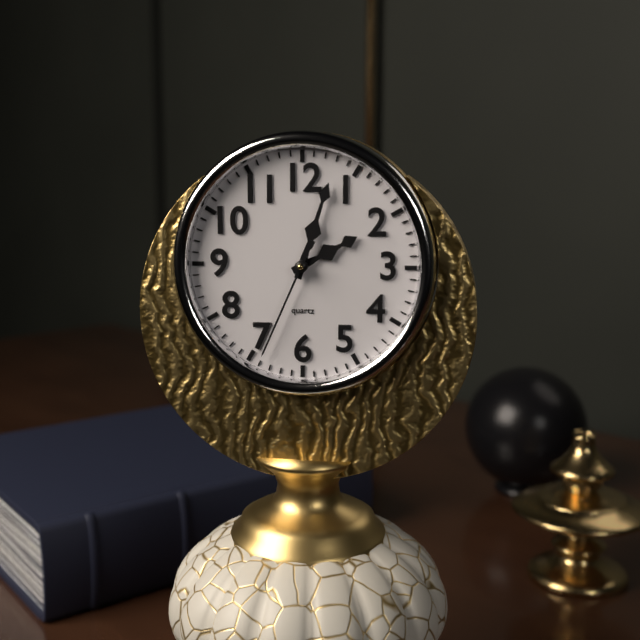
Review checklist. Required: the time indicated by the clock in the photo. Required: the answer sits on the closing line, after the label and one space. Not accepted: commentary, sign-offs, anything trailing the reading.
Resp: 2:03:34
